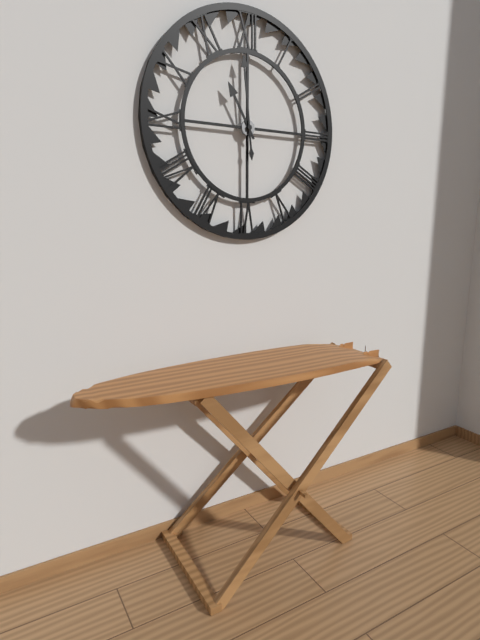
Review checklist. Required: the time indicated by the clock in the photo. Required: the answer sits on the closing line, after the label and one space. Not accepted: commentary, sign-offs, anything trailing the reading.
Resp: 10:59
